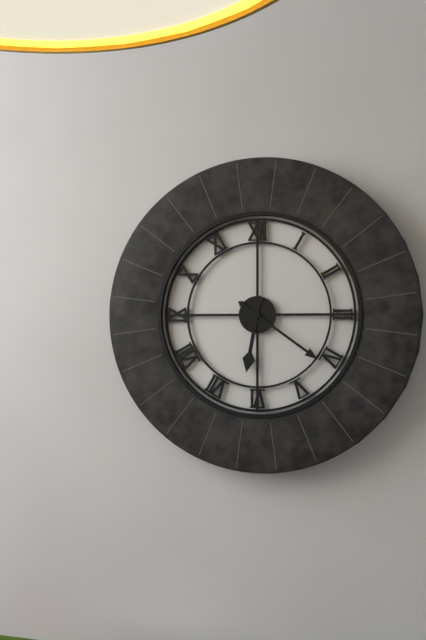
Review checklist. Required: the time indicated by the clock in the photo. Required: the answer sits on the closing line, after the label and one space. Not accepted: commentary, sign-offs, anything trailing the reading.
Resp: 6:21
